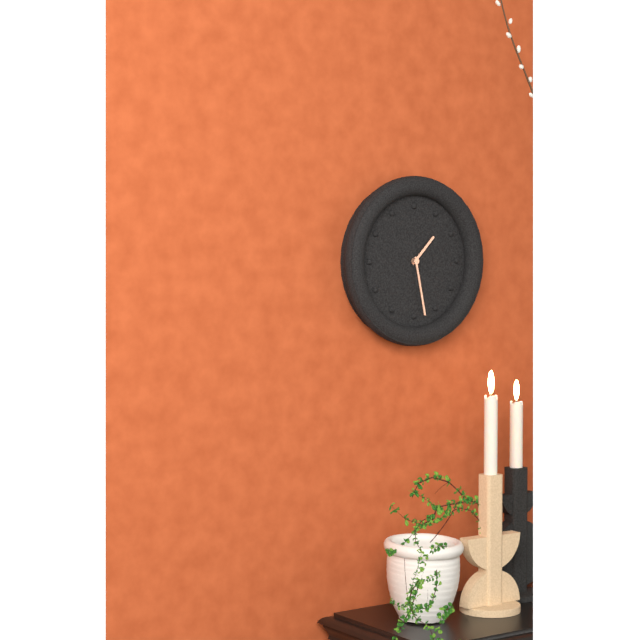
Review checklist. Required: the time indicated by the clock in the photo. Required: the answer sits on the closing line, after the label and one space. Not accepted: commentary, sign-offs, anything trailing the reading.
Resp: 1:28
